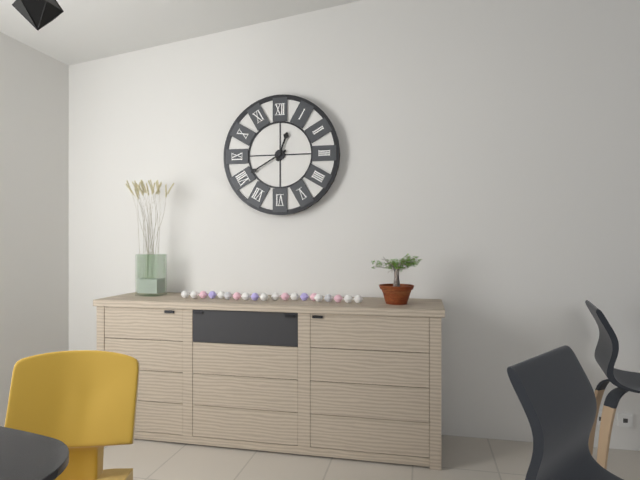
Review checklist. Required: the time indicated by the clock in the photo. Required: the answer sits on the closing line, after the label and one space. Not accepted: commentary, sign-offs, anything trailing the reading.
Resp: 12:40
